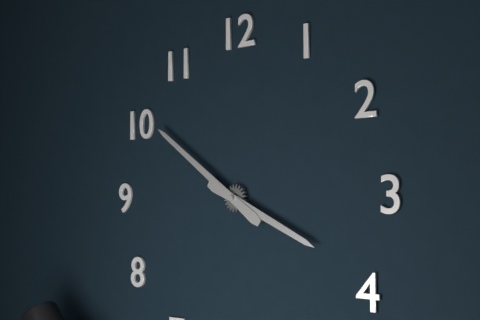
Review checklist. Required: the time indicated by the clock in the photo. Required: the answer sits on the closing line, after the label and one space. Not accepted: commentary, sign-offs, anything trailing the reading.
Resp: 3:51
